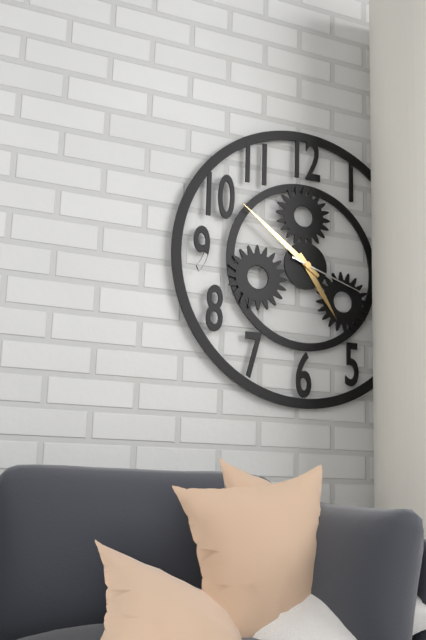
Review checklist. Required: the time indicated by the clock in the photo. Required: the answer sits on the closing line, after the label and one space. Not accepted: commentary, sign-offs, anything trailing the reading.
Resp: 4:51:18
